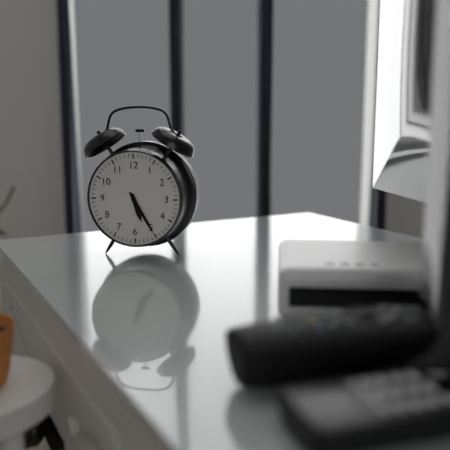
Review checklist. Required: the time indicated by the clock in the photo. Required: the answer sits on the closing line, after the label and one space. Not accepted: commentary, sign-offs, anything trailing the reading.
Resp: 5:25
